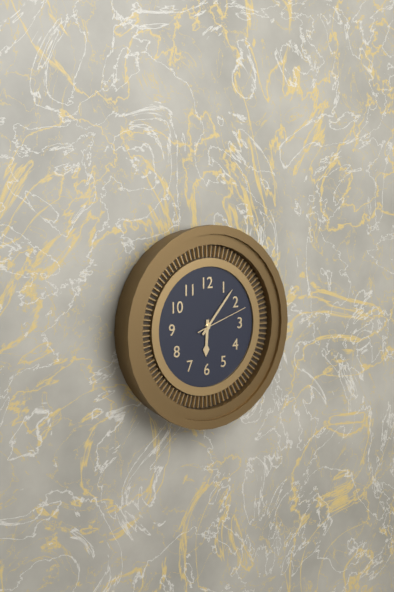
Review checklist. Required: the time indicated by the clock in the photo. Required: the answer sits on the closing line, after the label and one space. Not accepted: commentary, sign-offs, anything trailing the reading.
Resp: 6:07:12
